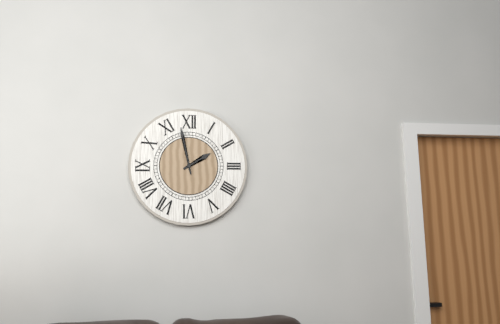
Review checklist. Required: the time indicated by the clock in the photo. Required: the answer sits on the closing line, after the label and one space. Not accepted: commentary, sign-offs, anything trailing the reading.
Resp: 1:58
